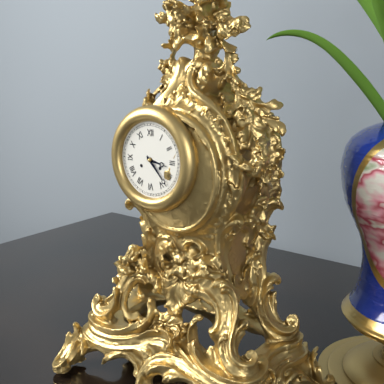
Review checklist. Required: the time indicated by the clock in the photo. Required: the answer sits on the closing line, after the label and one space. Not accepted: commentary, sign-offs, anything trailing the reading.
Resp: 3:23
